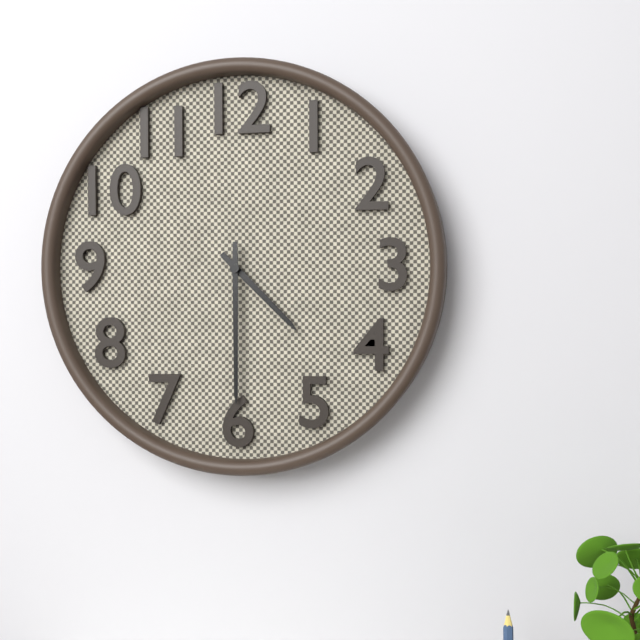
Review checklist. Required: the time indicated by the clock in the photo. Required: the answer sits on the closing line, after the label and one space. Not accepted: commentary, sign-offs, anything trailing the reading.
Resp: 4:30
